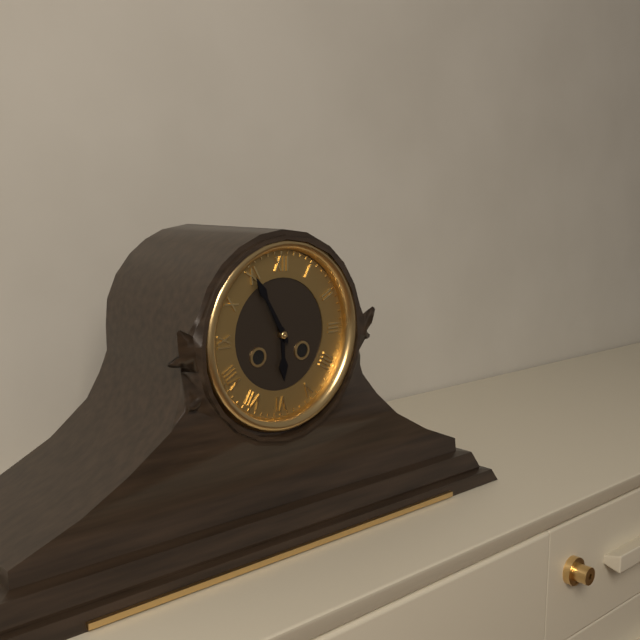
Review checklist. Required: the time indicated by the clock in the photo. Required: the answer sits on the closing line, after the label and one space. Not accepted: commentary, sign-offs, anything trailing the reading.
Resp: 5:55
